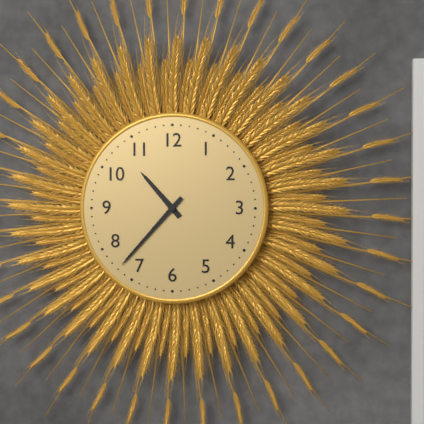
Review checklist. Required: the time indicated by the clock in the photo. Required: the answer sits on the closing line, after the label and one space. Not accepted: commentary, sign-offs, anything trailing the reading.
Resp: 10:37
